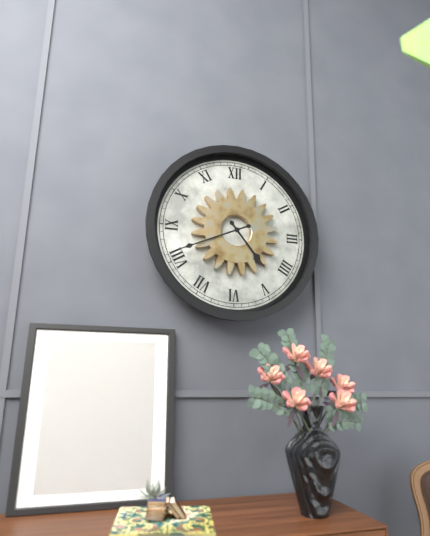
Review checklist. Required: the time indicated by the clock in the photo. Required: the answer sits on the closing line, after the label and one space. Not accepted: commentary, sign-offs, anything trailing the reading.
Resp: 4:41
